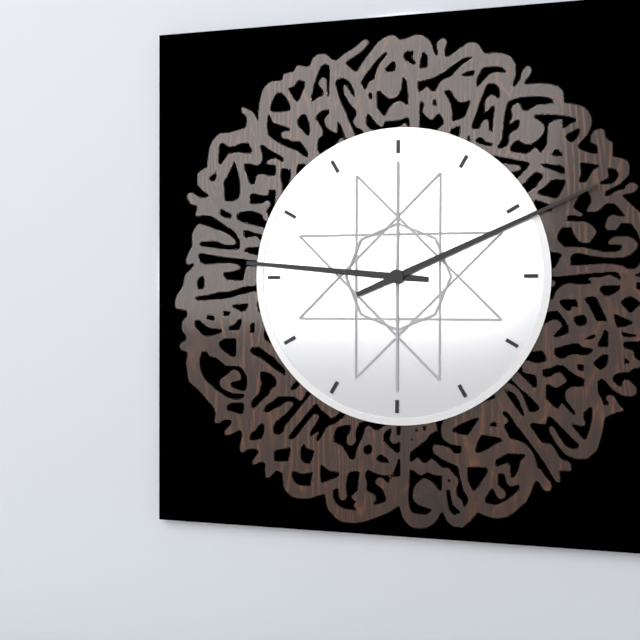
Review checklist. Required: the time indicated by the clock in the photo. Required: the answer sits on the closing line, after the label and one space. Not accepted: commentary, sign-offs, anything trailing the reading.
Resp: 9:11
